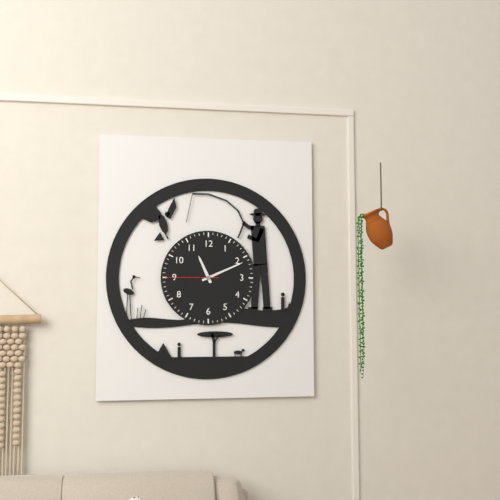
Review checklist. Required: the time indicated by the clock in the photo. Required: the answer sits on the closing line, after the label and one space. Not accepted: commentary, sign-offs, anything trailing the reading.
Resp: 11:11:45
